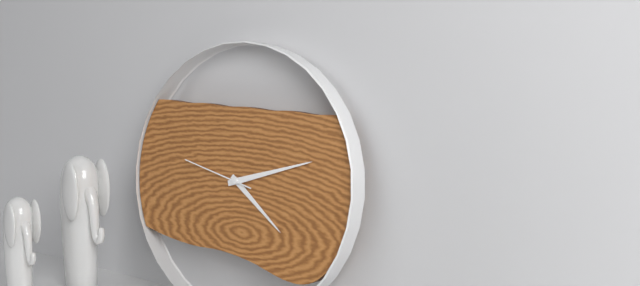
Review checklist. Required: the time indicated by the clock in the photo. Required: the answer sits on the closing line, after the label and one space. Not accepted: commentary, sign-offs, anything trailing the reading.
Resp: 4:12:47
